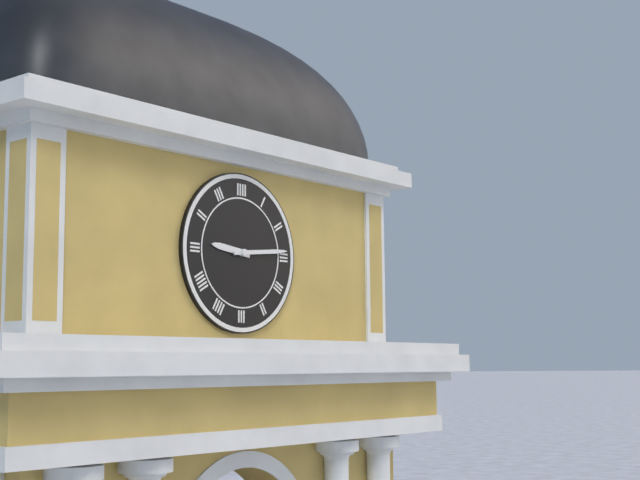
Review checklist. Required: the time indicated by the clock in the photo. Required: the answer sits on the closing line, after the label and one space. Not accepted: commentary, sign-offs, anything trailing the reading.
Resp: 9:14
